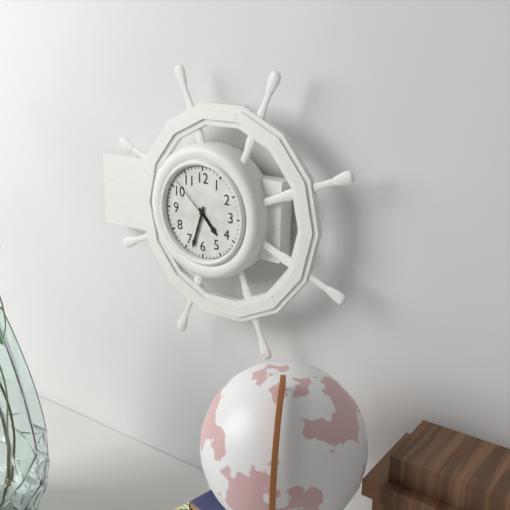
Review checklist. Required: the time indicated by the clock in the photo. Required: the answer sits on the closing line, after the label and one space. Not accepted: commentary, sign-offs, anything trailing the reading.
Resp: 4:33:52
